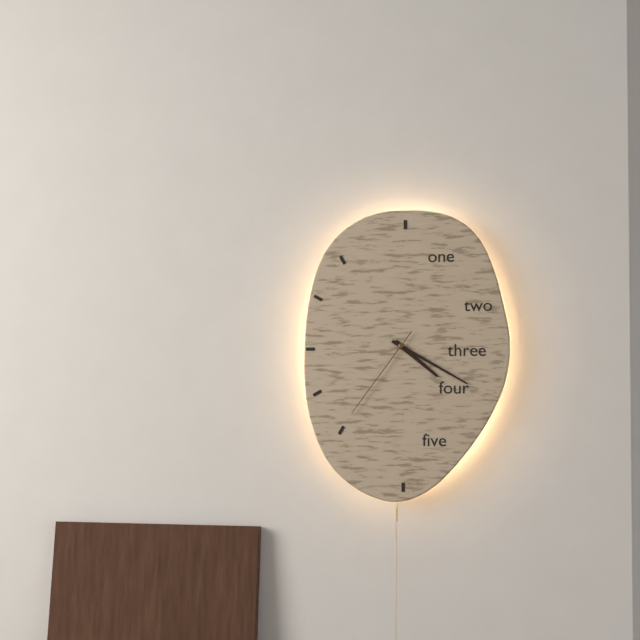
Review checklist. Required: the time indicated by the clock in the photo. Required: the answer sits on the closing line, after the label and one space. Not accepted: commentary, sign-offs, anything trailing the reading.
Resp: 4:20:36
